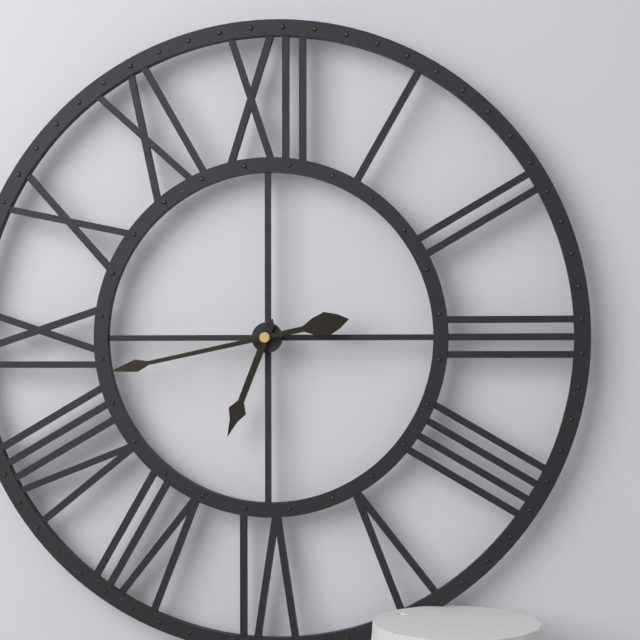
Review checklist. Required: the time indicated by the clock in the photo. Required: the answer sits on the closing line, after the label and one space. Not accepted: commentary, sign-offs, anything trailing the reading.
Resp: 6:43
